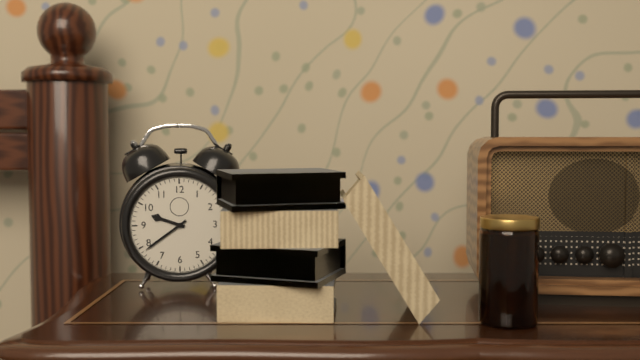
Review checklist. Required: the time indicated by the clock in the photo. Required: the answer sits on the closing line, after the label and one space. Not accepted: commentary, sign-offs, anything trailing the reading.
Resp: 9:39
